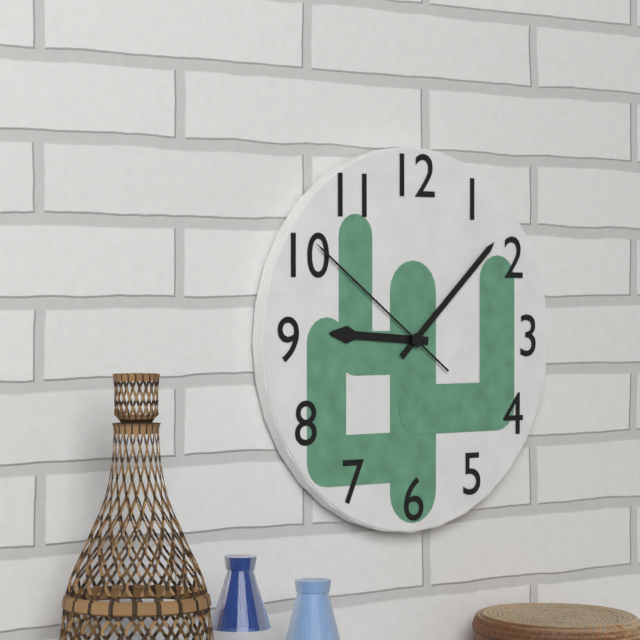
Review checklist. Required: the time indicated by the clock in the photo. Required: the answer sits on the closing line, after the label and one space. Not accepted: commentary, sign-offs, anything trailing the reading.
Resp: 9:08:51
